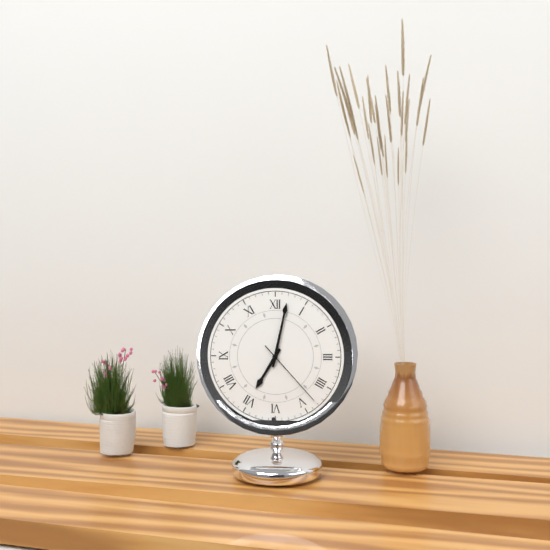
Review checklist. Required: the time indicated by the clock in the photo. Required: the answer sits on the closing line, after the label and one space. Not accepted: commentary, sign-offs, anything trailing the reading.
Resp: 7:02:23
